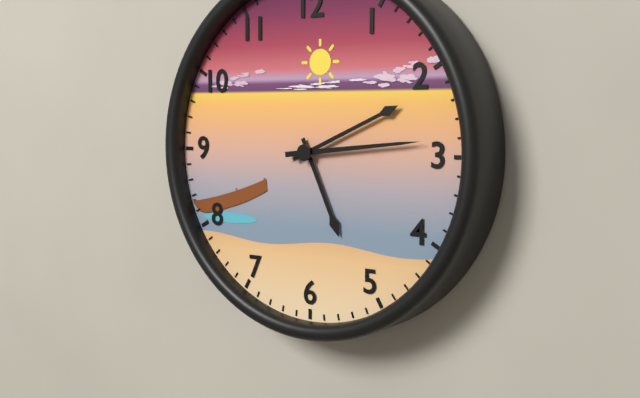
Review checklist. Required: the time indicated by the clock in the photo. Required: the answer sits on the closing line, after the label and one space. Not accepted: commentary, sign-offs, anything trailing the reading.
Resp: 5:11:14
